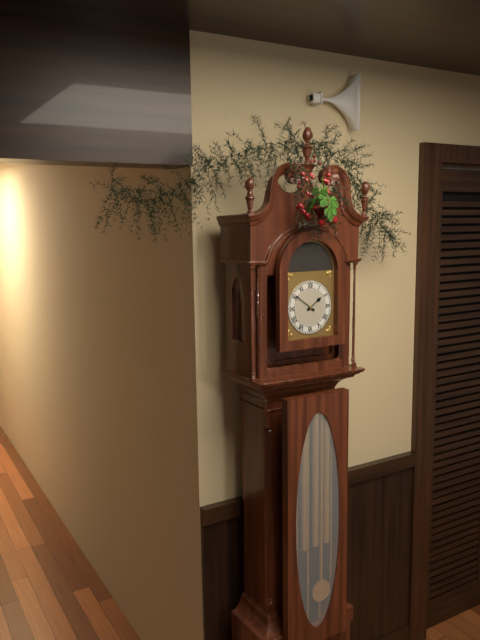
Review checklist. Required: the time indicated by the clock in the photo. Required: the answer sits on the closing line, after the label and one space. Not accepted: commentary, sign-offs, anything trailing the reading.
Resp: 1:51
